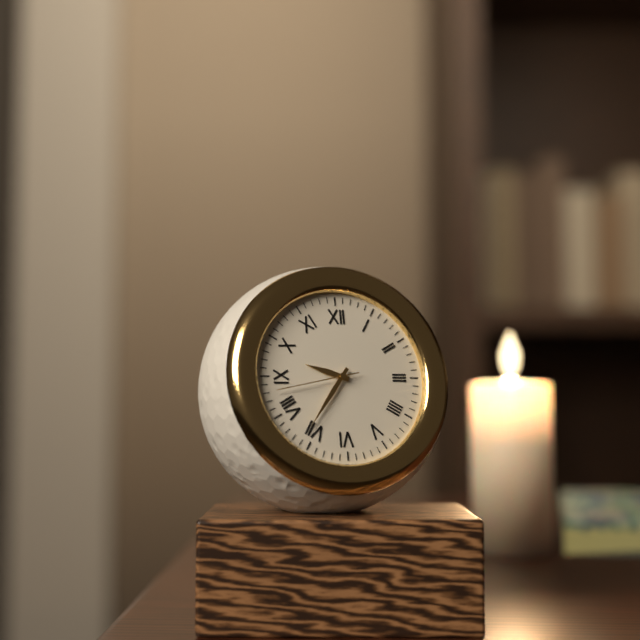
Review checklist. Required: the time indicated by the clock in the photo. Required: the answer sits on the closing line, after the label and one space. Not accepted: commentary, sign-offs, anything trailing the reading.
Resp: 9:36:43
